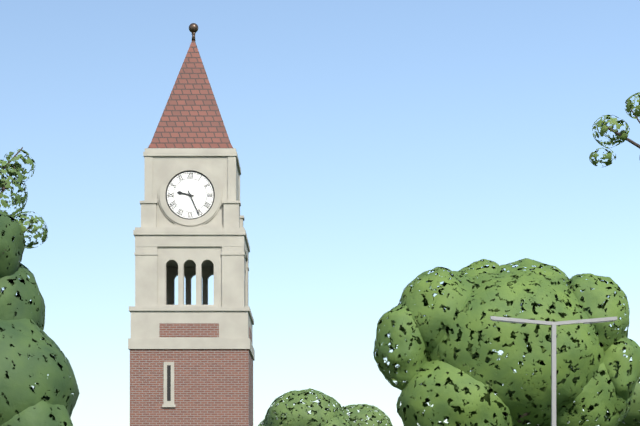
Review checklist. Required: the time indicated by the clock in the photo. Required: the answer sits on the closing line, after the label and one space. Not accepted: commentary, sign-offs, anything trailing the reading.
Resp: 9:26
